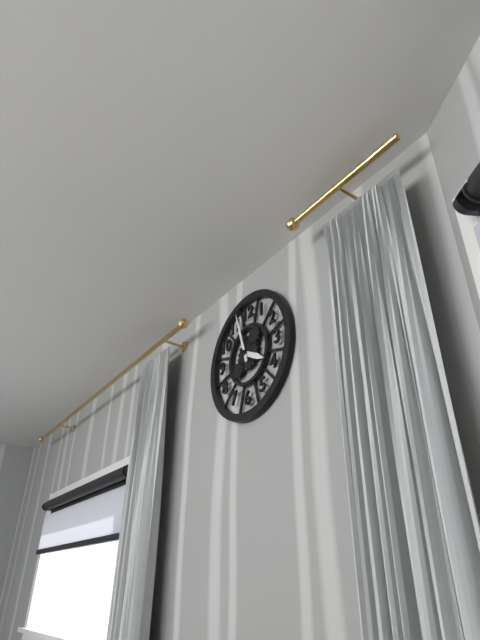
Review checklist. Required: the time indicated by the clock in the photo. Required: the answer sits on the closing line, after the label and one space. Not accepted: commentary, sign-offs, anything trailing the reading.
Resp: 3:57
